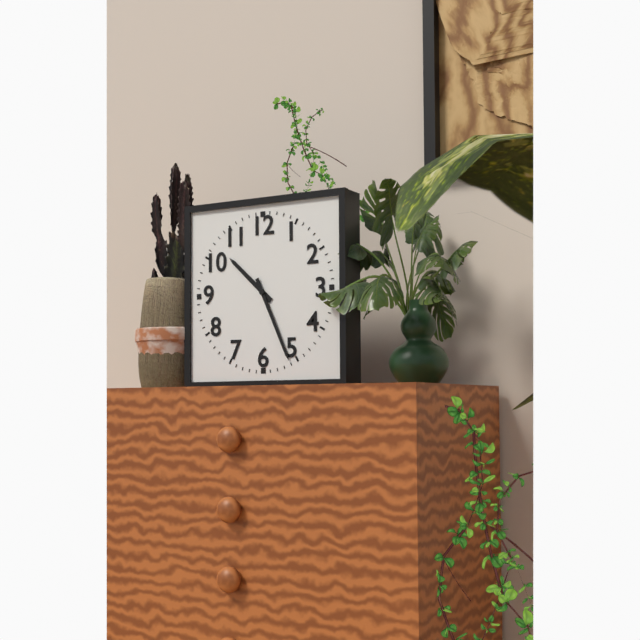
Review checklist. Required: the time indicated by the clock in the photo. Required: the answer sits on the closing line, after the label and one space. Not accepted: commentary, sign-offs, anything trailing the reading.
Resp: 10:26
